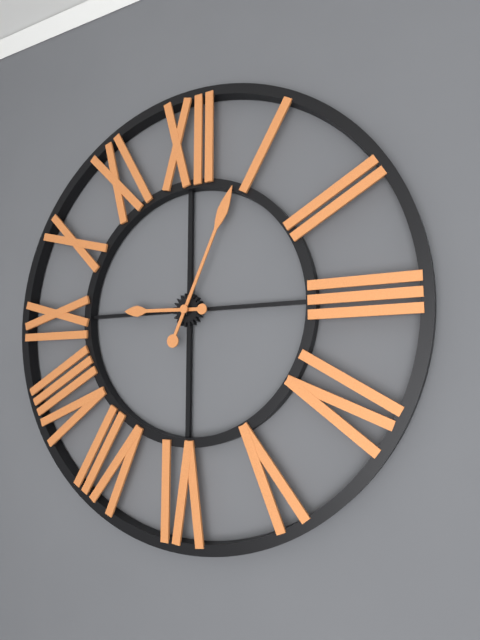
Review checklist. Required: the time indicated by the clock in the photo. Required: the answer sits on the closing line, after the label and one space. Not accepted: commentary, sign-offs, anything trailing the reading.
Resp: 9:04
